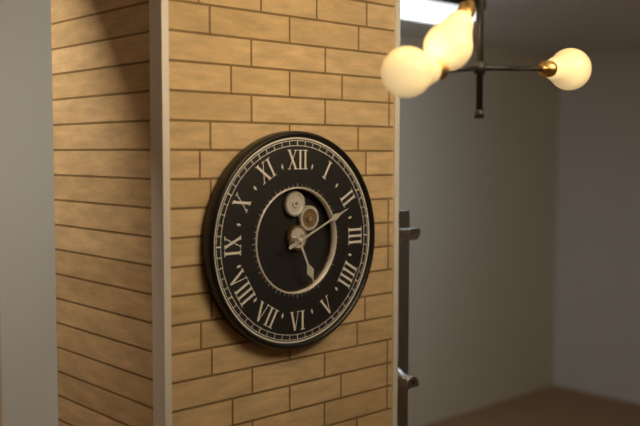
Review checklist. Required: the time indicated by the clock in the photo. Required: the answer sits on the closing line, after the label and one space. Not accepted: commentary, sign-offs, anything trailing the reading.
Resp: 5:11
